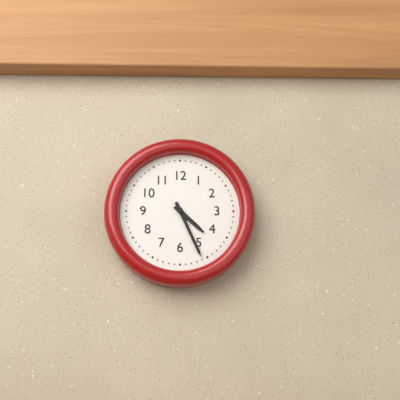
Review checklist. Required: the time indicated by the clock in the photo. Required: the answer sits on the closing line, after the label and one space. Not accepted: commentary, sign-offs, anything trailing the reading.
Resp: 4:26
